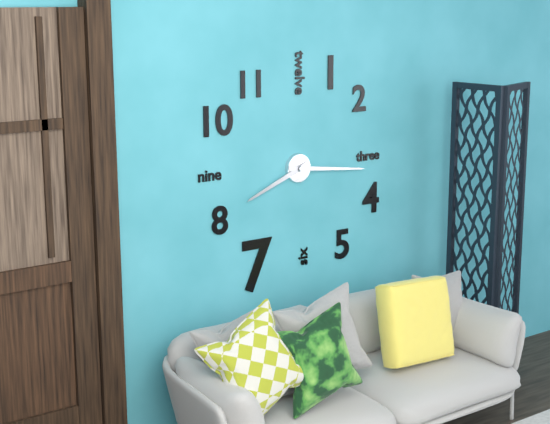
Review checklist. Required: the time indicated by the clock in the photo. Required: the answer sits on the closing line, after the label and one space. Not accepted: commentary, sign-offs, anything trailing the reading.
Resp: 8:16
